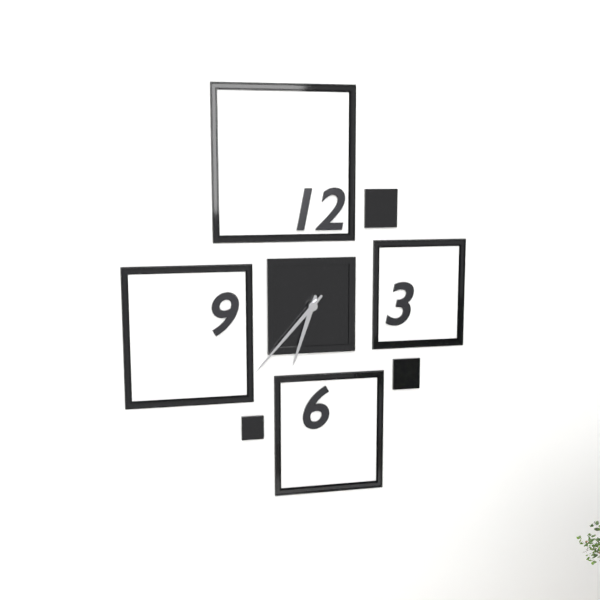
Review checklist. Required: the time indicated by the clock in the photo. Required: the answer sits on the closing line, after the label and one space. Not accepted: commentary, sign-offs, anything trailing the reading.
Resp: 6:37
